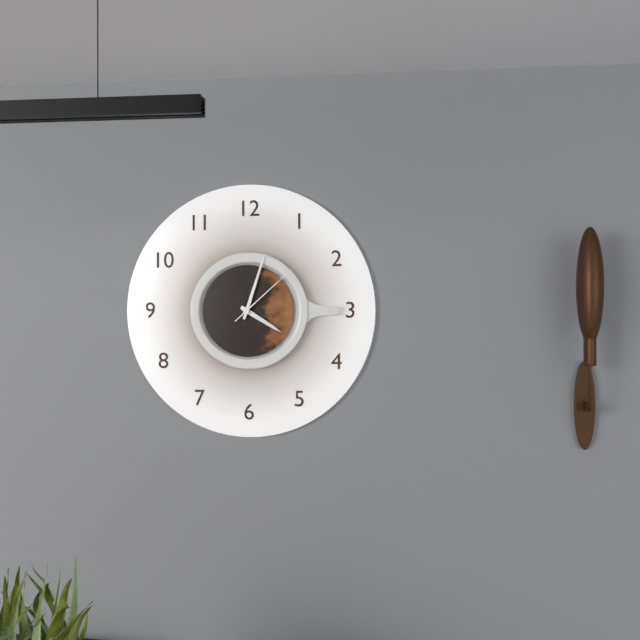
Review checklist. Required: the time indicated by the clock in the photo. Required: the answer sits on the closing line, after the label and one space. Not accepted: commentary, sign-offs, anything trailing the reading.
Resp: 4:03:08
